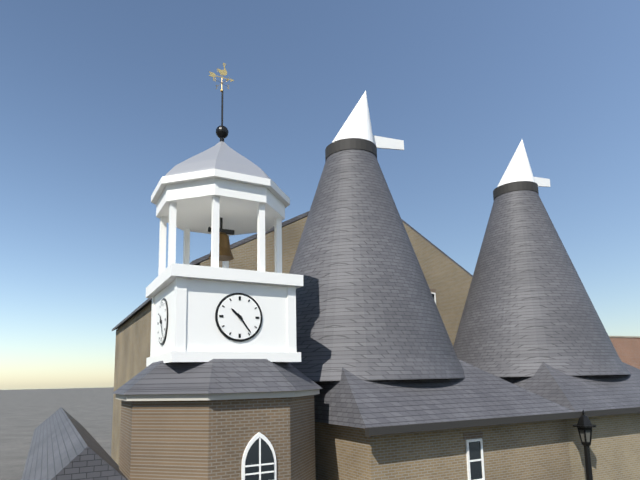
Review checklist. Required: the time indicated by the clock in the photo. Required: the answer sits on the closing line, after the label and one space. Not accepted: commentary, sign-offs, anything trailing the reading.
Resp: 10:24
